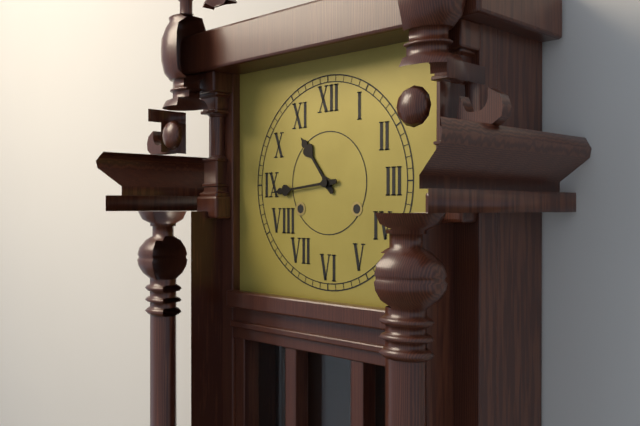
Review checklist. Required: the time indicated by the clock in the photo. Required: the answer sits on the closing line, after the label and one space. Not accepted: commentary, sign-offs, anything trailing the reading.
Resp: 10:44
